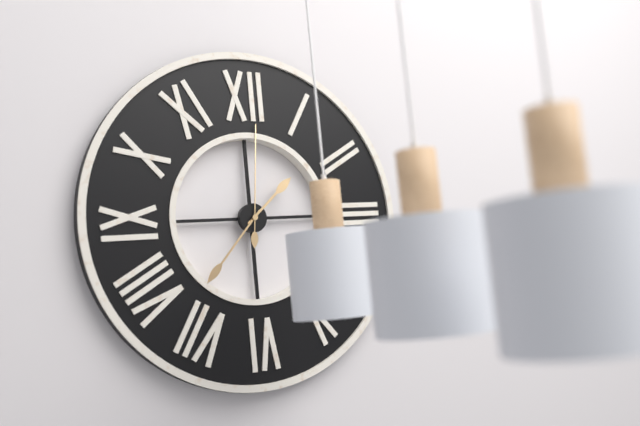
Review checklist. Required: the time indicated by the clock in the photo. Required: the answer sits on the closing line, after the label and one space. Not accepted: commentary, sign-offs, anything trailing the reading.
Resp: 1:37:01
